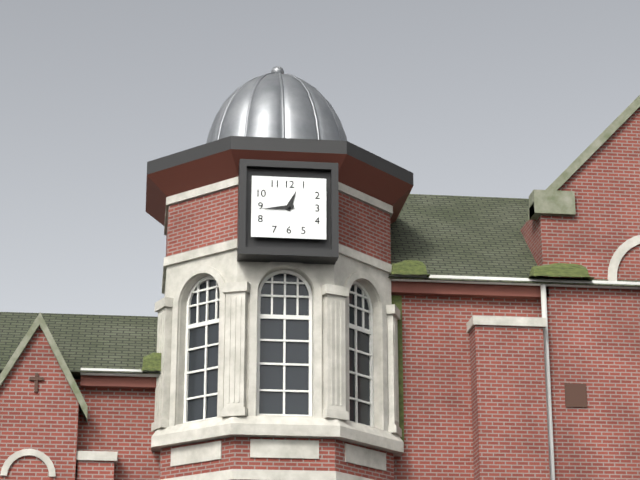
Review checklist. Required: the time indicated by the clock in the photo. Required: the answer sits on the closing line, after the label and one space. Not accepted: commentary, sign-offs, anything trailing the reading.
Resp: 12:44
